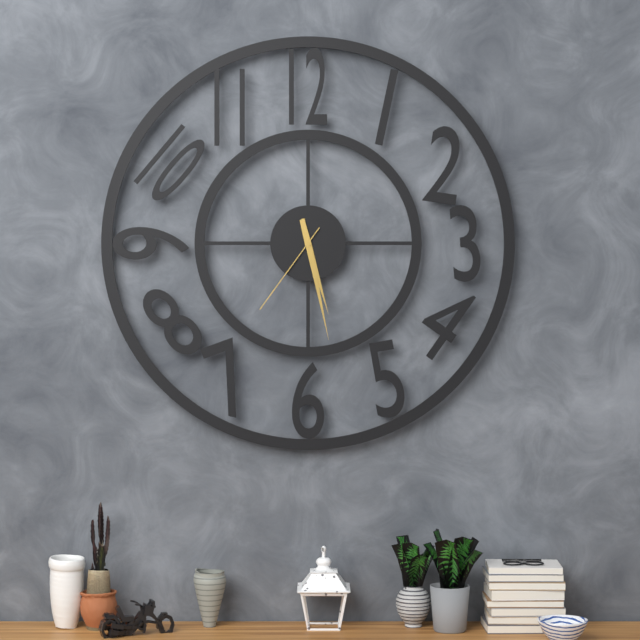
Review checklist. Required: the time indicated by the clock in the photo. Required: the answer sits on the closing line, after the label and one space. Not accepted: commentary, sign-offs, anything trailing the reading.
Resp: 5:28:36
